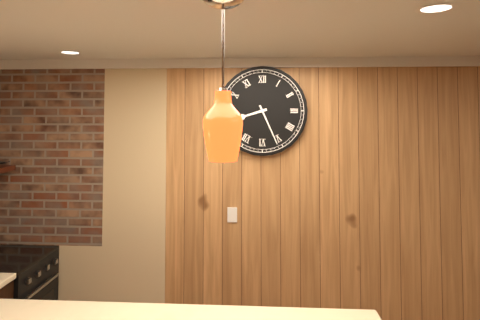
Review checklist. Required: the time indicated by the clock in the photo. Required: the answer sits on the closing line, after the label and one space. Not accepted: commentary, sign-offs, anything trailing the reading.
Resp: 8:26
